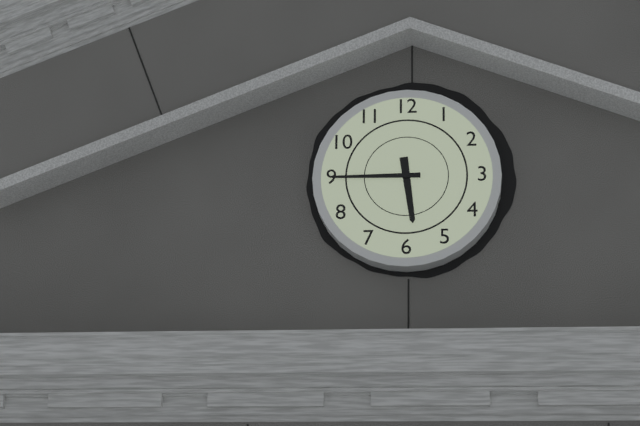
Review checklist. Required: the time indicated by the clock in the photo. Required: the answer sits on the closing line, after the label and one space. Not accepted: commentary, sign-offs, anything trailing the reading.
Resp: 5:45
